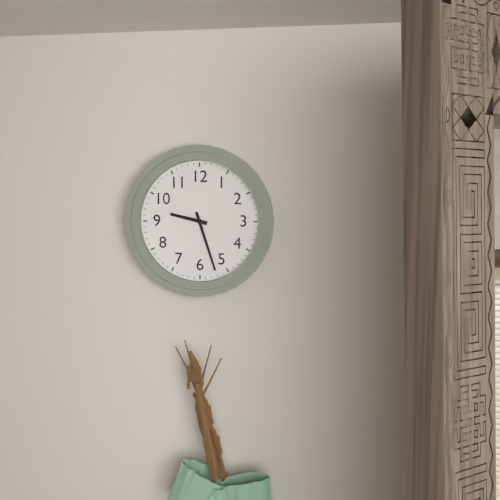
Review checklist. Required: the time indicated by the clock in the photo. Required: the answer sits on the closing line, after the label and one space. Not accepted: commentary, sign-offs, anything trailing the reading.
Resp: 9:27
